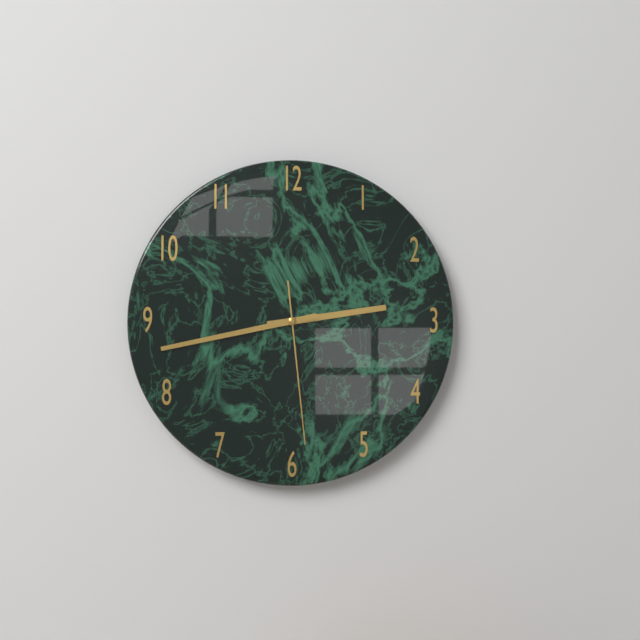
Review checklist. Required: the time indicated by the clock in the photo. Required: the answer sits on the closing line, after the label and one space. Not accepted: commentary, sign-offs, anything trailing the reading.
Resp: 2:43:29
